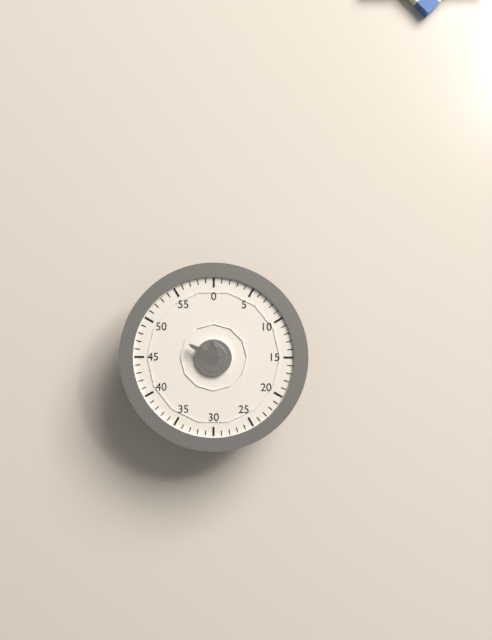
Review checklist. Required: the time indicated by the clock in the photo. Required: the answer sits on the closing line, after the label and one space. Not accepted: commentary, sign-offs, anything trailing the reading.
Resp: 11:50
